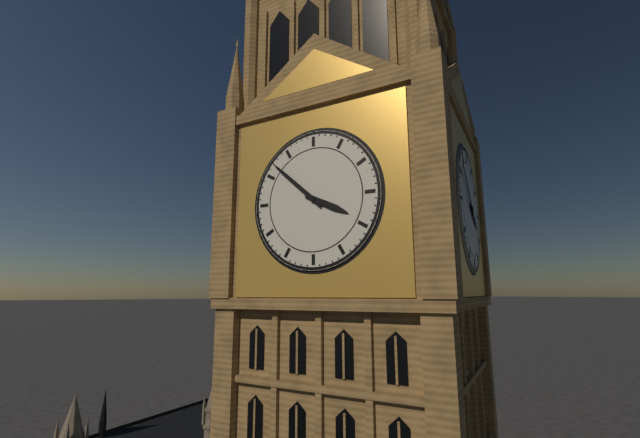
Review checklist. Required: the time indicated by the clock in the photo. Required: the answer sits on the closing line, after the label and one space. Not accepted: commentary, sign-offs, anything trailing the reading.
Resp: 3:52
